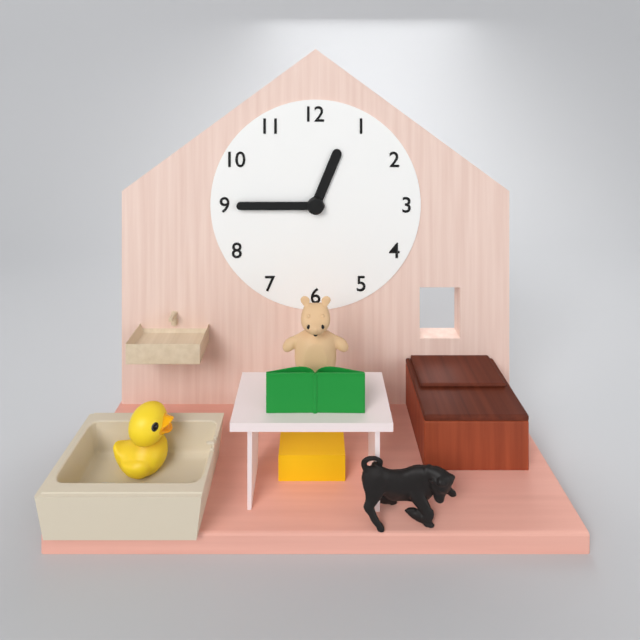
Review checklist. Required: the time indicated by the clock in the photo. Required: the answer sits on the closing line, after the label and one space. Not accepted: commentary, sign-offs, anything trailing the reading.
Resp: 12:45
